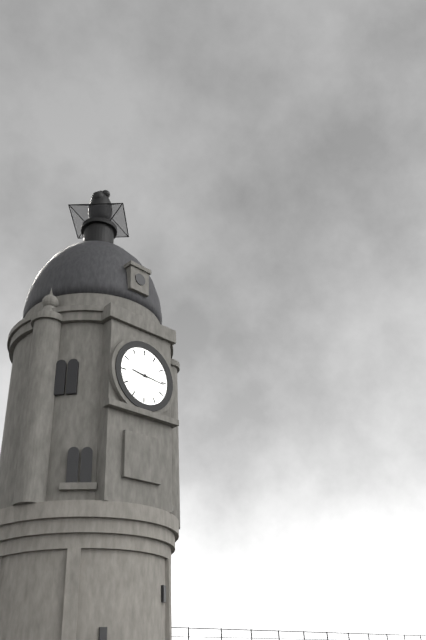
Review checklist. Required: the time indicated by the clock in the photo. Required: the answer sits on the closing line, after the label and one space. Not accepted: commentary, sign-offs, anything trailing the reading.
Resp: 9:16
